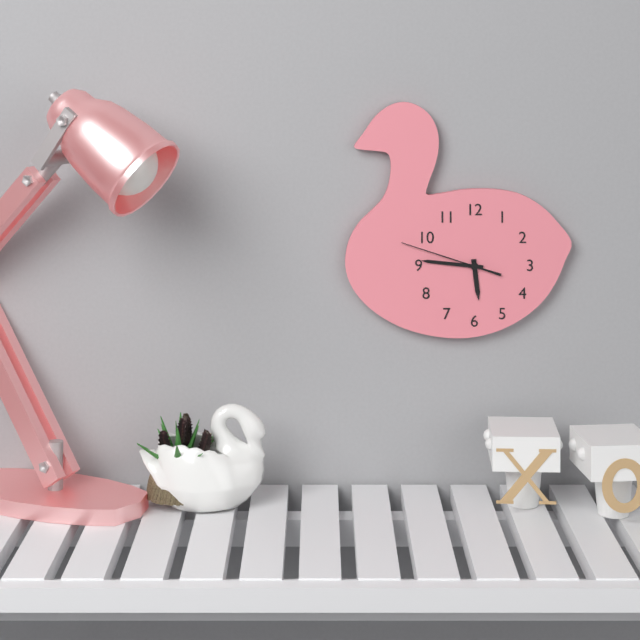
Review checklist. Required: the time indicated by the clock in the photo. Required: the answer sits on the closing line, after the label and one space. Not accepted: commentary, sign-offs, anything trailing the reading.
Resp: 5:46:48
